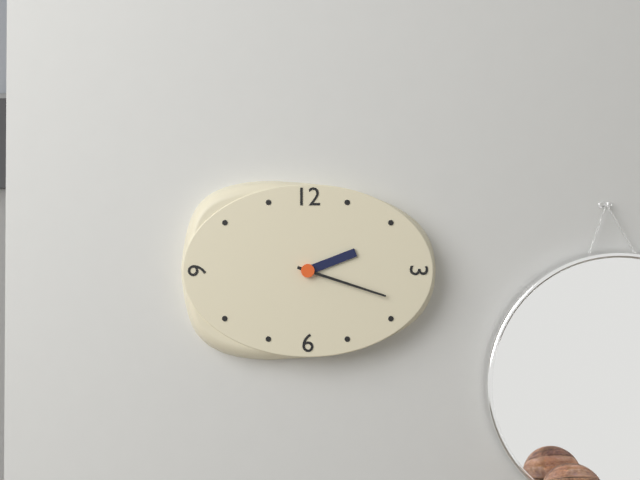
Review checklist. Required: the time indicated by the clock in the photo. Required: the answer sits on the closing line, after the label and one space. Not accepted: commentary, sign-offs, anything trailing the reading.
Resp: 2:18
